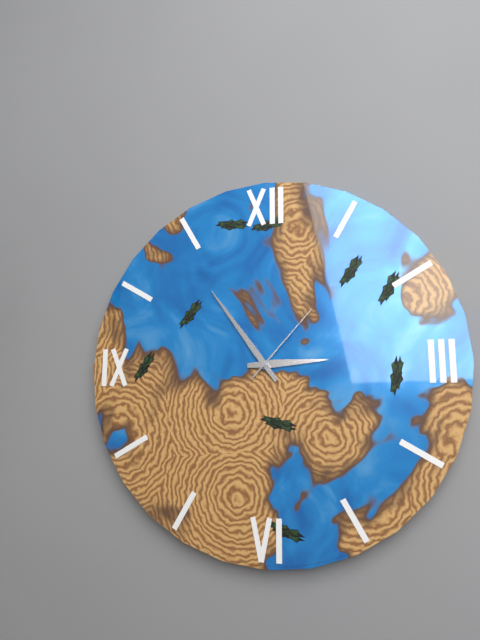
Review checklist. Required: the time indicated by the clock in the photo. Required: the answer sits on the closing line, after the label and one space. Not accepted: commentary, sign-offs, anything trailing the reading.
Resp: 2:54:07
